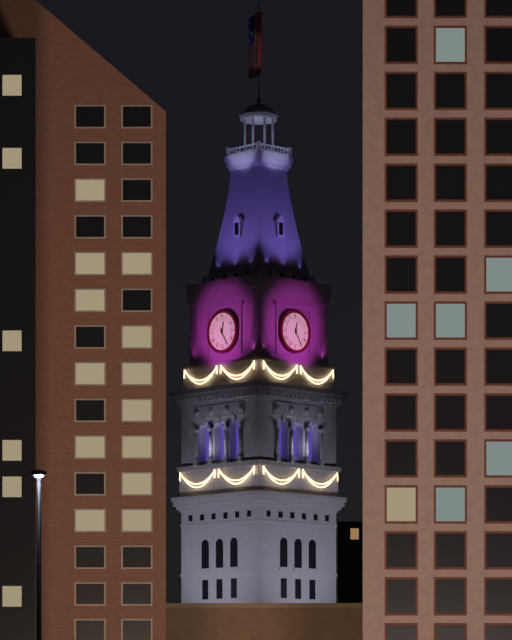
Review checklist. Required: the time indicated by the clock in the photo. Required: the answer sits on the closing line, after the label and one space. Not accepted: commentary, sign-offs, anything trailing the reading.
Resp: 12:25
